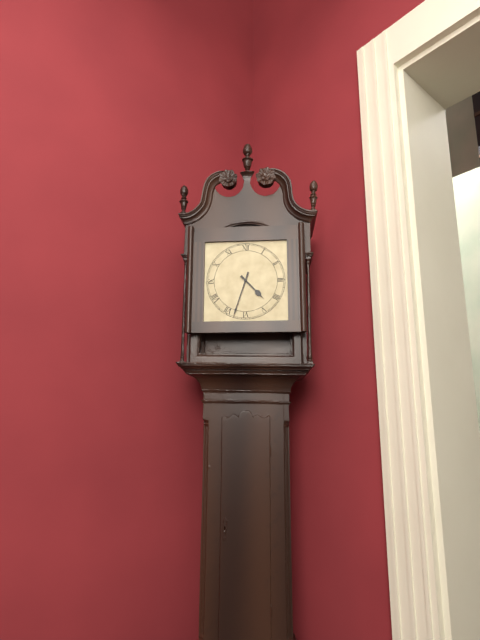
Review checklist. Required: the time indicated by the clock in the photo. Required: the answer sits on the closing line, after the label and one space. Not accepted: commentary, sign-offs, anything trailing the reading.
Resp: 4:33
